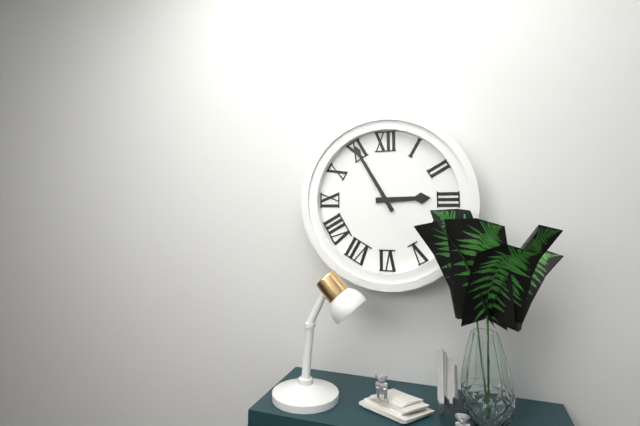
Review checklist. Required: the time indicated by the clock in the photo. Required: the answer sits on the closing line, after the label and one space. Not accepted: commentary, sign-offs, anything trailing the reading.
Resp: 2:55
